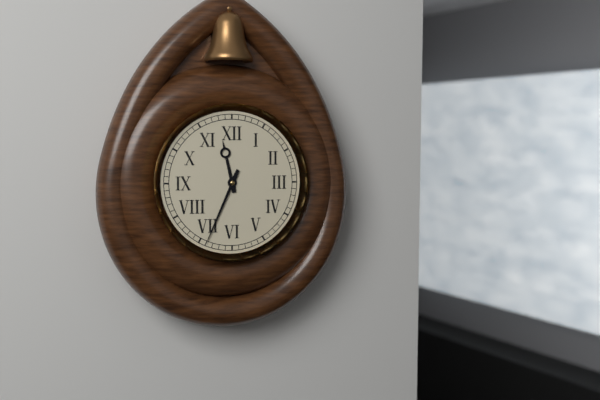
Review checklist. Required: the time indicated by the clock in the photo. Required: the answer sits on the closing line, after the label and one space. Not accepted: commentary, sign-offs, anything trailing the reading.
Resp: 11:34
